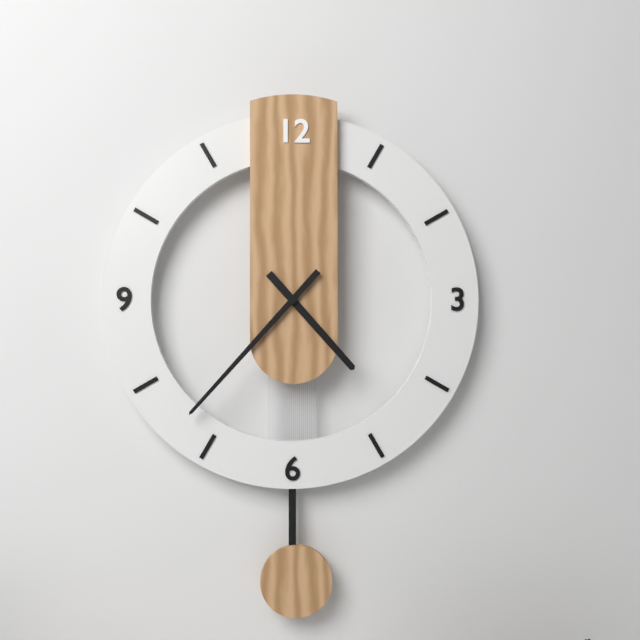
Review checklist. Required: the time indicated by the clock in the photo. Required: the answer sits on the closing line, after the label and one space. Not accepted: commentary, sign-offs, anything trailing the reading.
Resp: 4:37
